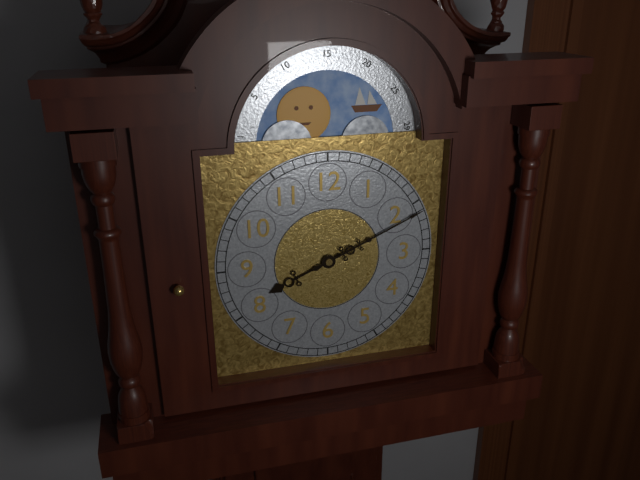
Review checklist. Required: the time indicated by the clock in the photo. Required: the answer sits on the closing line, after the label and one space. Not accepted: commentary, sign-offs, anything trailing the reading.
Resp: 8:11
